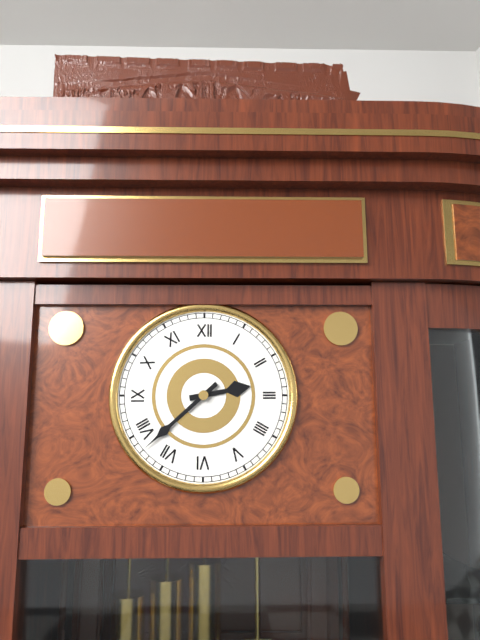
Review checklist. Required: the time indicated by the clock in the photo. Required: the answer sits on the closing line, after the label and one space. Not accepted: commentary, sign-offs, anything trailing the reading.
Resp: 2:38
